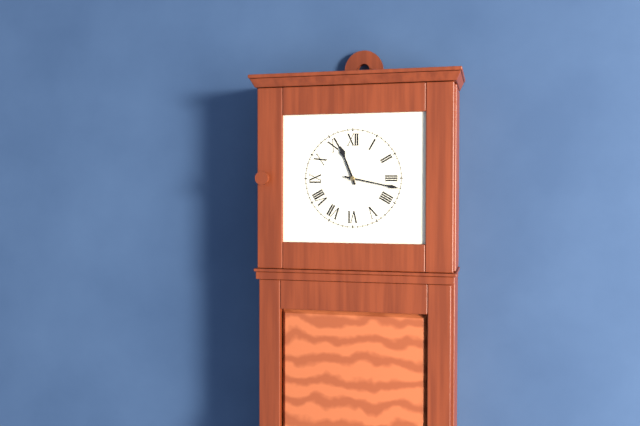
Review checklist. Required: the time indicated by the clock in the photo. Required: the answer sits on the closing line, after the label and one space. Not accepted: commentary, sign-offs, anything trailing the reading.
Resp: 11:17
